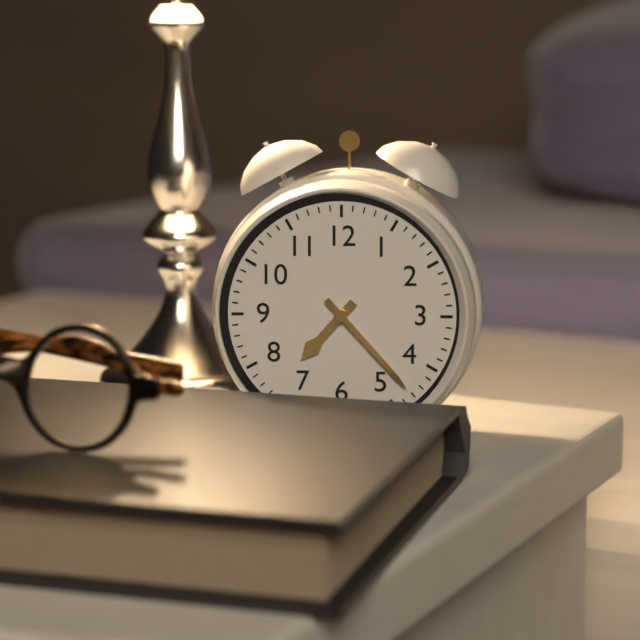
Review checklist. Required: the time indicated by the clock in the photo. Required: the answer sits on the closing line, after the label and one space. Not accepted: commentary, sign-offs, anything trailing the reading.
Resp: 7:23
